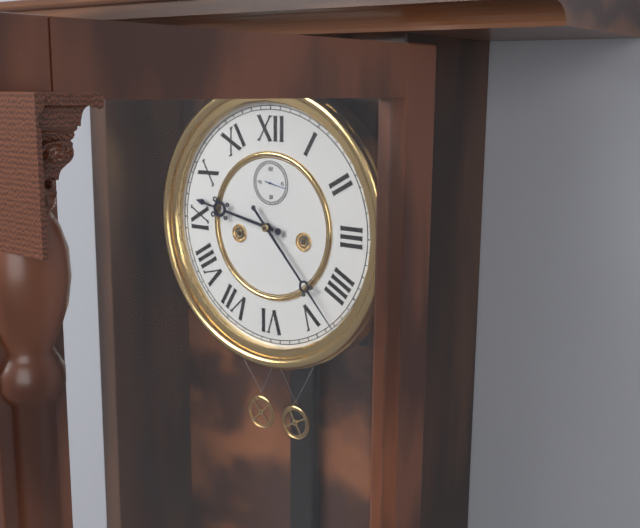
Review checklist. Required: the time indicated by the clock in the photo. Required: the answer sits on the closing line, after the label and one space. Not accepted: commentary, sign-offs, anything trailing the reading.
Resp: 9:23
